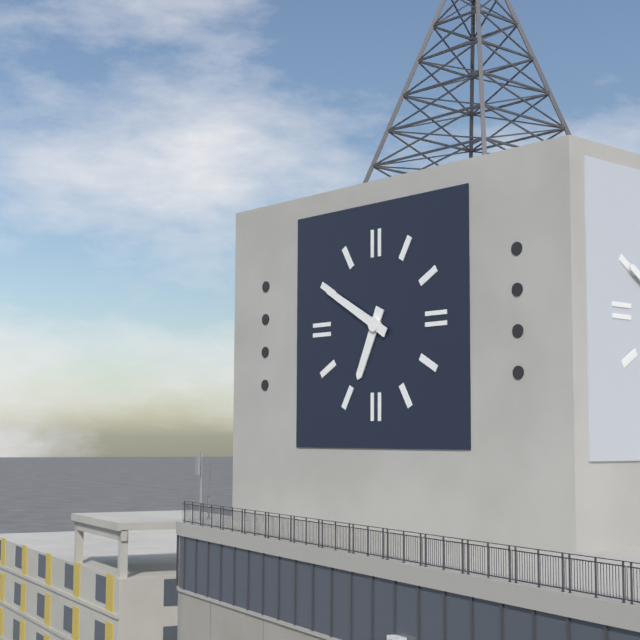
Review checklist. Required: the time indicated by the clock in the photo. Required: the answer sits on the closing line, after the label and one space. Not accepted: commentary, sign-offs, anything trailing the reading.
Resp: 6:50
